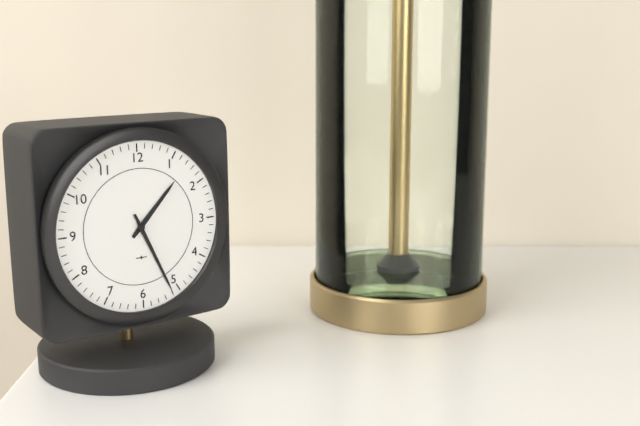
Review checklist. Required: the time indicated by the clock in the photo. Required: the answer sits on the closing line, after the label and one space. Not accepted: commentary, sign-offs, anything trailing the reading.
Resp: 1:26
